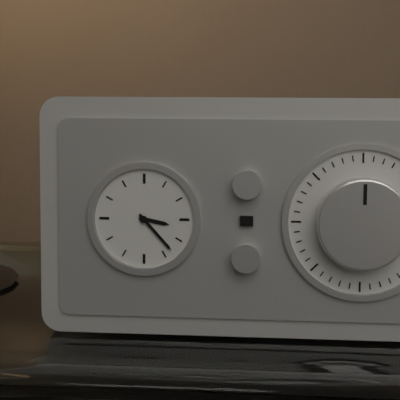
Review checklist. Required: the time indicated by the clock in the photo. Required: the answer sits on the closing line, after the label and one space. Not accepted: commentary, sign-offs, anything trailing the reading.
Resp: 3:23
